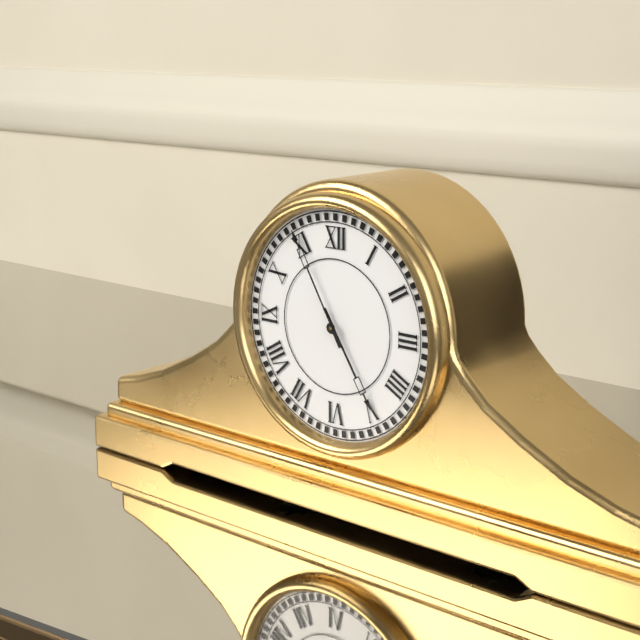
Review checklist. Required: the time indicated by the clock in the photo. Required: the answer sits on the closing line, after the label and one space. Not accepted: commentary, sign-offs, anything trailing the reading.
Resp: 4:55
